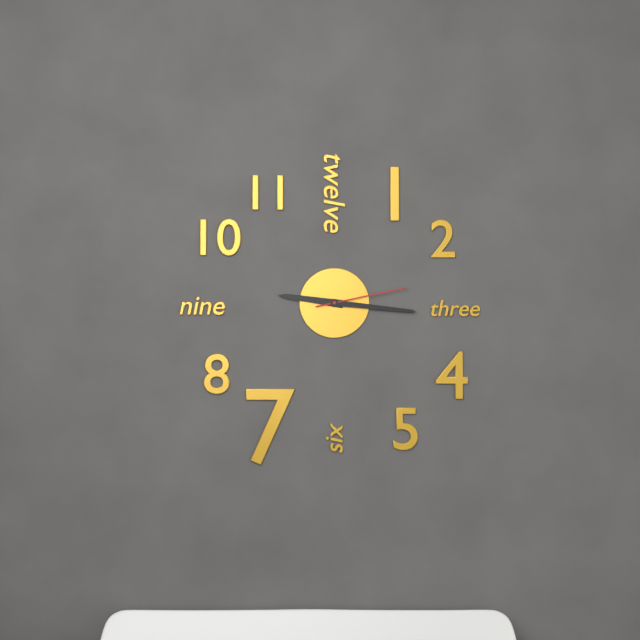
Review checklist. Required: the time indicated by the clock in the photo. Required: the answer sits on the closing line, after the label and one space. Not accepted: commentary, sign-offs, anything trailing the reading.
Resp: 9:16:13
